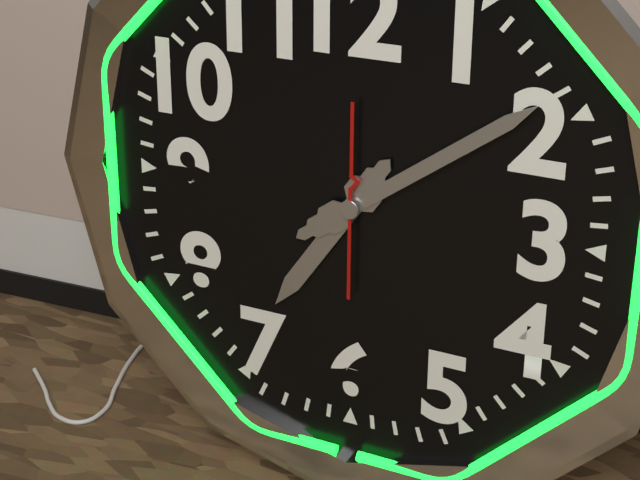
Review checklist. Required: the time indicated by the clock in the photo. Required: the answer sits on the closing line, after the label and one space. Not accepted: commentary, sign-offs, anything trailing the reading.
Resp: 7:09:00
